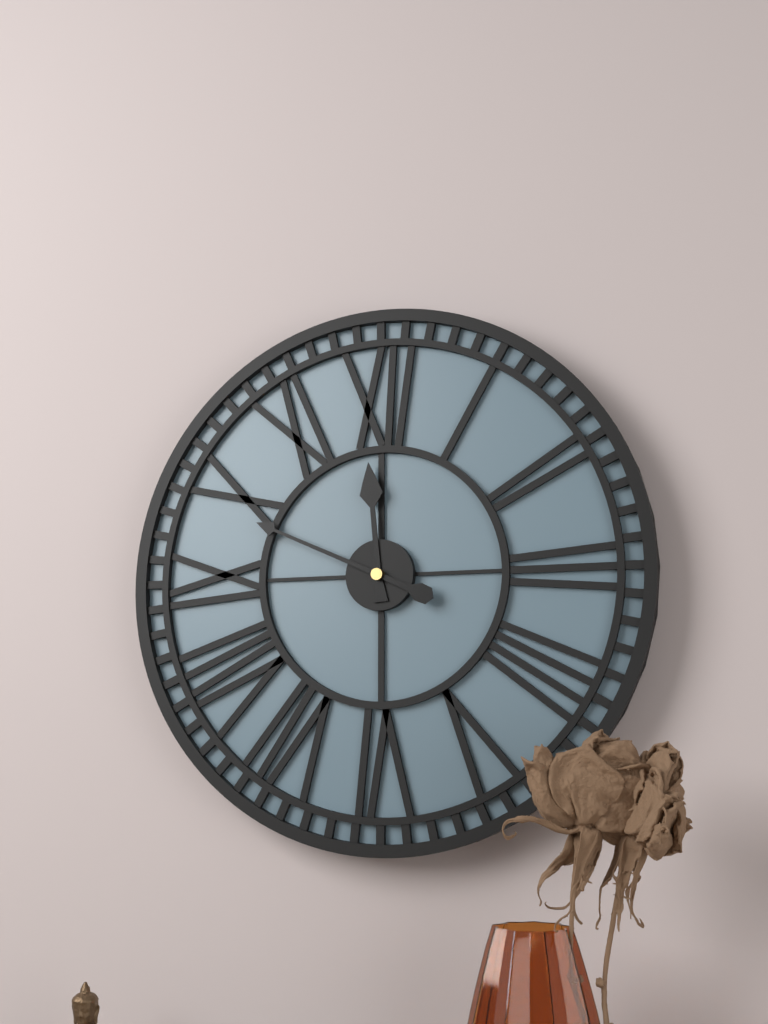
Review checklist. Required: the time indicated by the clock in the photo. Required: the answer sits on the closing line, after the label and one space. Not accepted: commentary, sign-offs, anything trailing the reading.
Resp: 11:49
